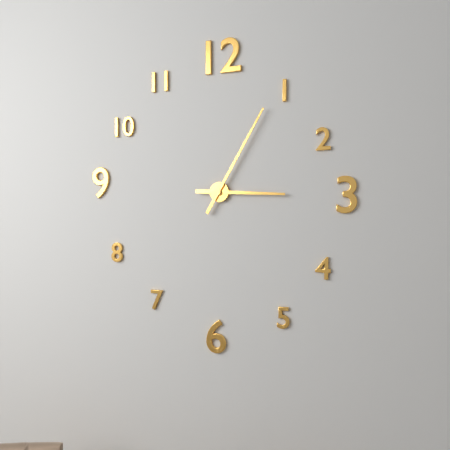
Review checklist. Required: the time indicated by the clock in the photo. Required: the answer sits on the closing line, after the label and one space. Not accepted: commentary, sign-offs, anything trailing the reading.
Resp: 3:05
